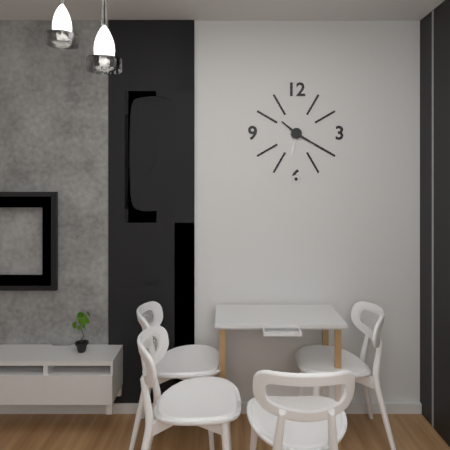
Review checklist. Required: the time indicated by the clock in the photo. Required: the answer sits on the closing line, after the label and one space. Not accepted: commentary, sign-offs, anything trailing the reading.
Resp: 10:20
